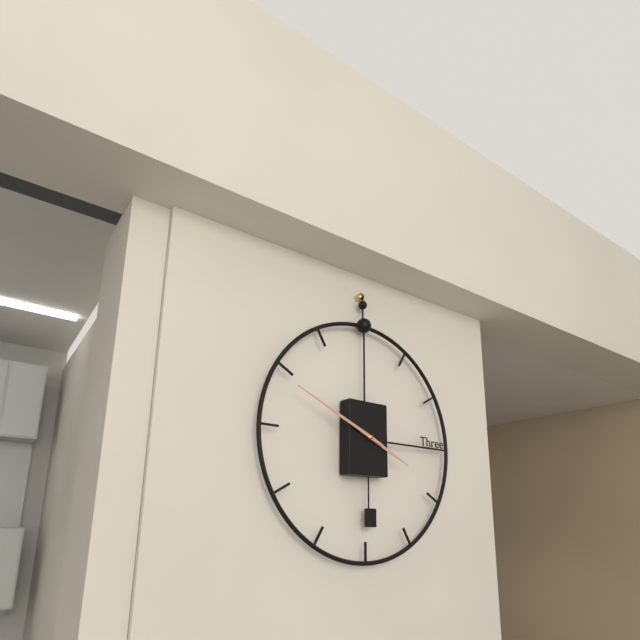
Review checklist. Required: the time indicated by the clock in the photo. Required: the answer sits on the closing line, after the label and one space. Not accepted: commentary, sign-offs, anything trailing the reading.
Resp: 3:49
